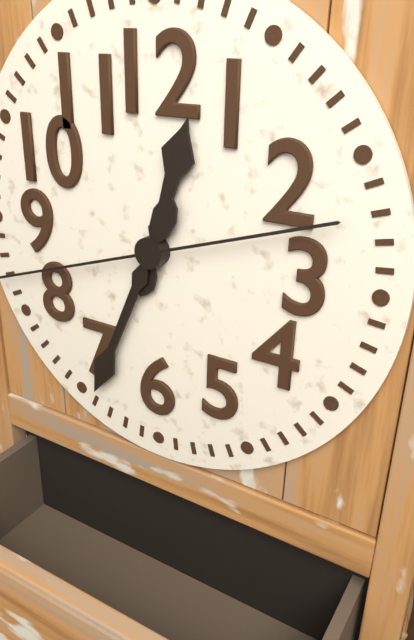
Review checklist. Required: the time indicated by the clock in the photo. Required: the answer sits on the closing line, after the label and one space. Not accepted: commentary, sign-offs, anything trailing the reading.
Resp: 12:34
